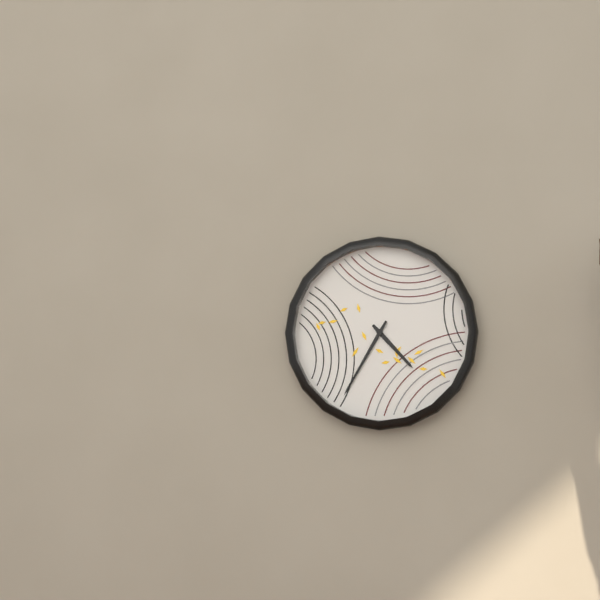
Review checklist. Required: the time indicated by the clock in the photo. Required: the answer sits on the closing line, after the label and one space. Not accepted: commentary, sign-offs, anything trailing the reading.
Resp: 4:35
